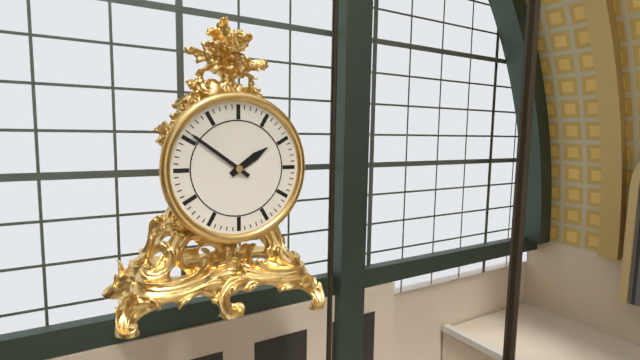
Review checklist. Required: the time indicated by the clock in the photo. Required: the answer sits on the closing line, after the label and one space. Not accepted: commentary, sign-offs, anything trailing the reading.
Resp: 1:51
